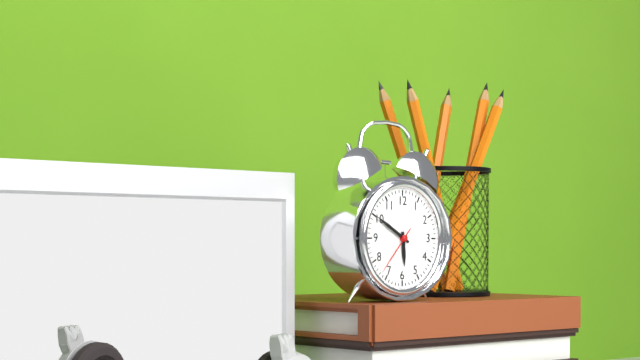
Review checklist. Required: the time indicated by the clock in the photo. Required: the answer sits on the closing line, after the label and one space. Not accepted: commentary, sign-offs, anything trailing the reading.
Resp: 5:50:37
